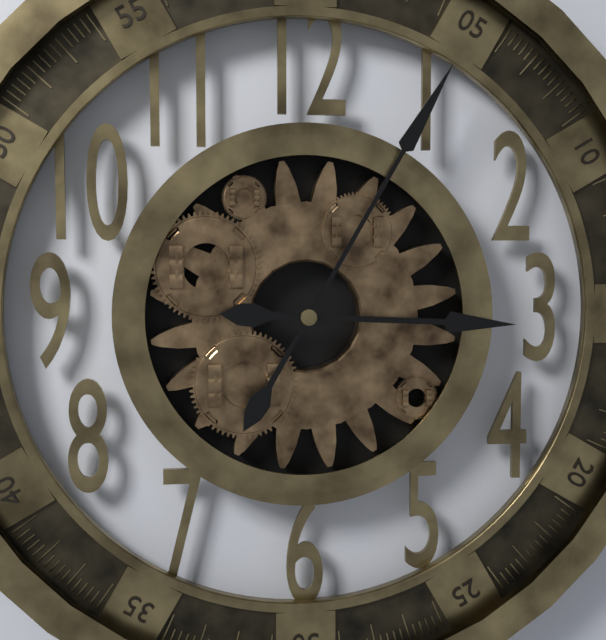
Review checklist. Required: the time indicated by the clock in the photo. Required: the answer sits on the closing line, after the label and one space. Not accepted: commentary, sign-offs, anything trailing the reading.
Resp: 3:05
